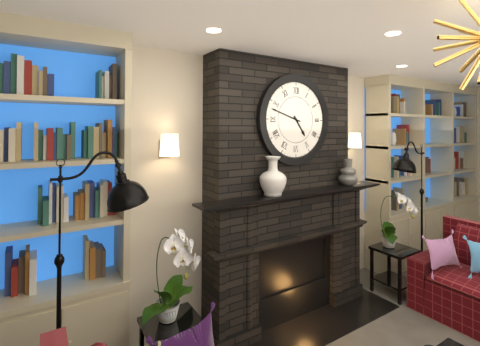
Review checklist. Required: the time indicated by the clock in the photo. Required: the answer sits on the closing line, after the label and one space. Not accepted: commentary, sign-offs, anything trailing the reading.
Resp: 4:48
